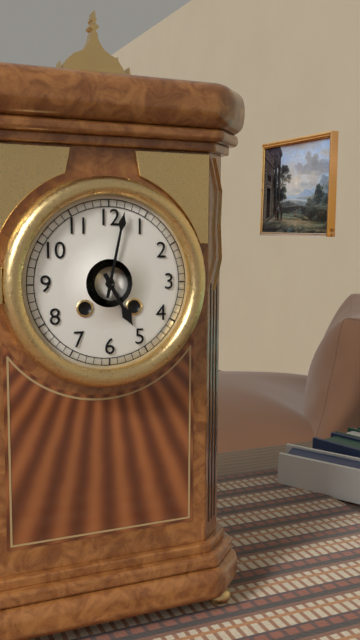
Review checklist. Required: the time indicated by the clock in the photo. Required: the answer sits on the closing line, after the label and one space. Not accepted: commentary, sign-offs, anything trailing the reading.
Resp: 5:02
